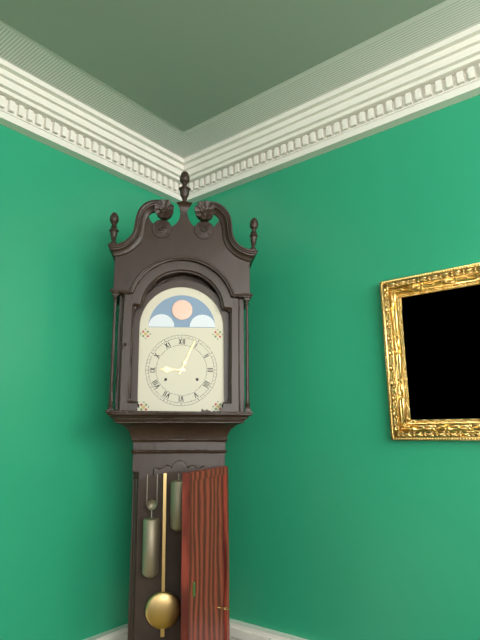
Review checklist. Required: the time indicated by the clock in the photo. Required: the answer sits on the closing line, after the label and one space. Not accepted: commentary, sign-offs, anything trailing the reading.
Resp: 9:04
